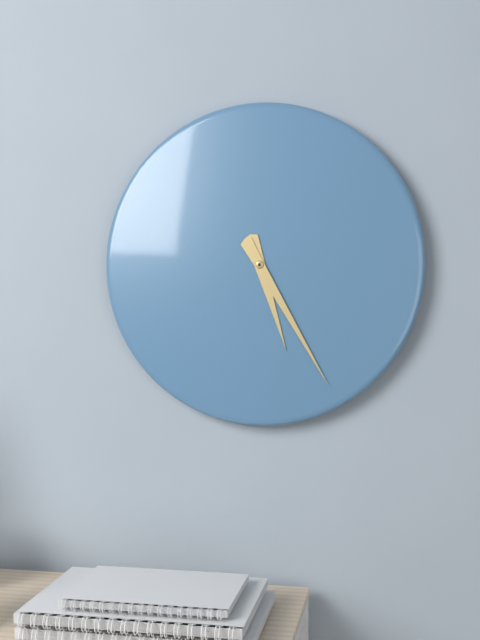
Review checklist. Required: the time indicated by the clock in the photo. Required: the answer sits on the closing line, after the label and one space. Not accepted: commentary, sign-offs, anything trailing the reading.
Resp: 5:25
